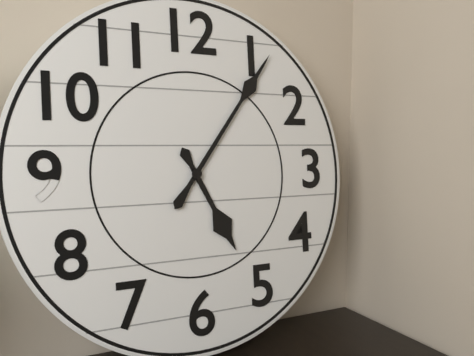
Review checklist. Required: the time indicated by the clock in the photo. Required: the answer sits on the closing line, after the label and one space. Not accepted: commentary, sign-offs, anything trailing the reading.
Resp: 5:06
